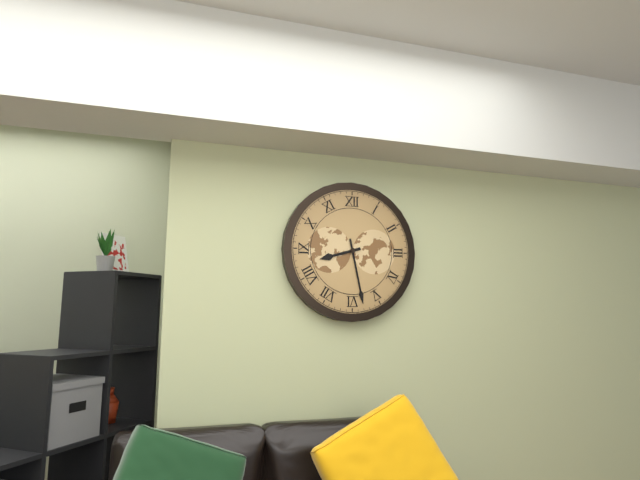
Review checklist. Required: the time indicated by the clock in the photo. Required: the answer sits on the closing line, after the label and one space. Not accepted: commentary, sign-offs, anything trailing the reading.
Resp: 8:28
